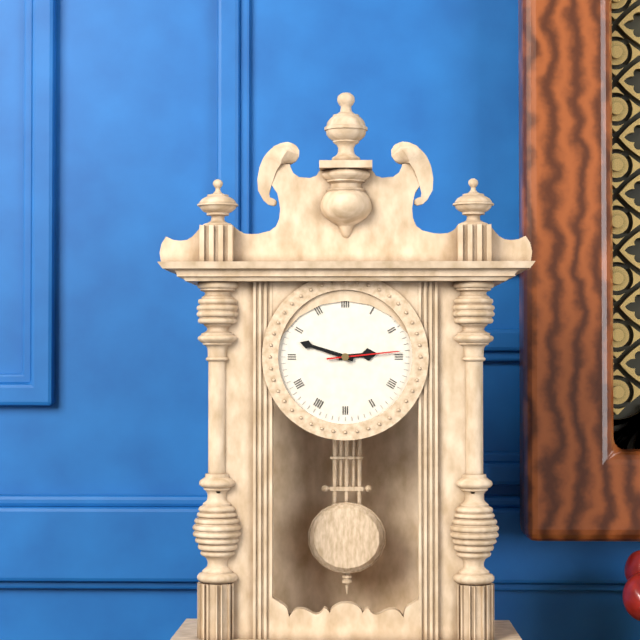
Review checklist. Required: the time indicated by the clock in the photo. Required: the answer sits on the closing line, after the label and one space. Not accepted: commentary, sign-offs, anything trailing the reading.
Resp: 2:48:14
